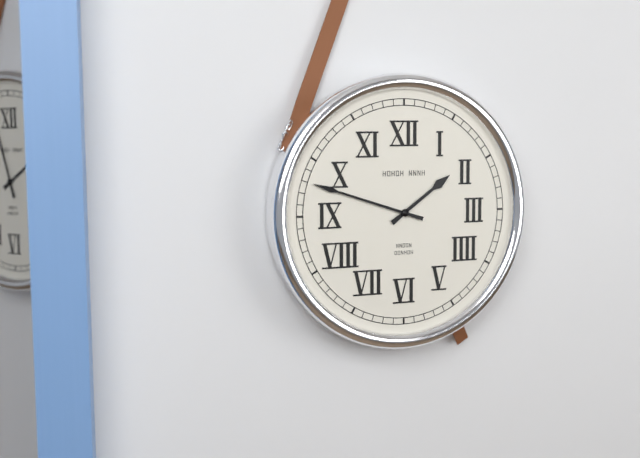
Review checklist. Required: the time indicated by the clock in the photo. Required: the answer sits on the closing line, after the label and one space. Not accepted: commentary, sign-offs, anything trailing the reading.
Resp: 1:48
